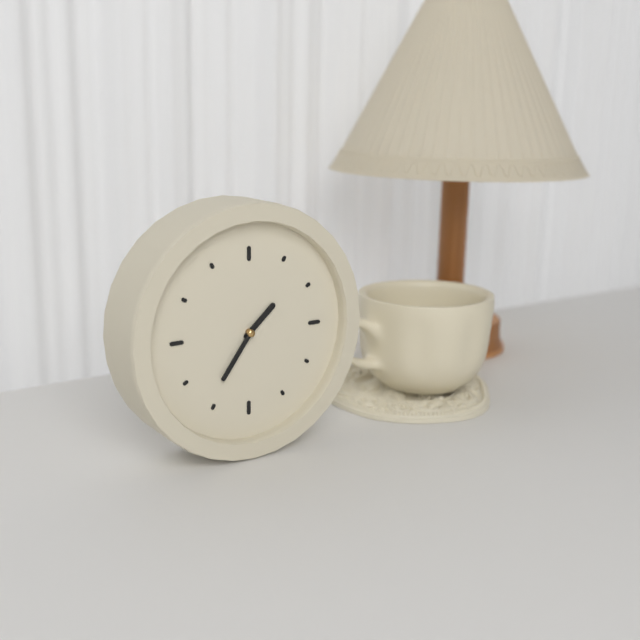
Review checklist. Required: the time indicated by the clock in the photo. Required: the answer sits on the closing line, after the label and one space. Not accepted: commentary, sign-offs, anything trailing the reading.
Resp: 1:36
